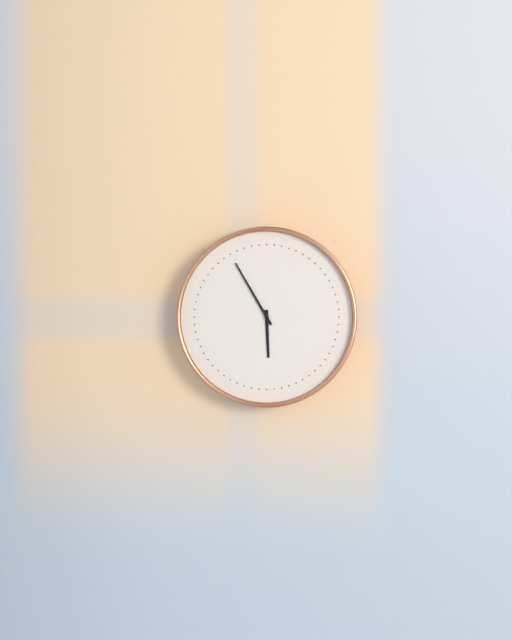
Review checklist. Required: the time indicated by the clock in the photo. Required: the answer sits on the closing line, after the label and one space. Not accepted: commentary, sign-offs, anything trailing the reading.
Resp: 5:55
